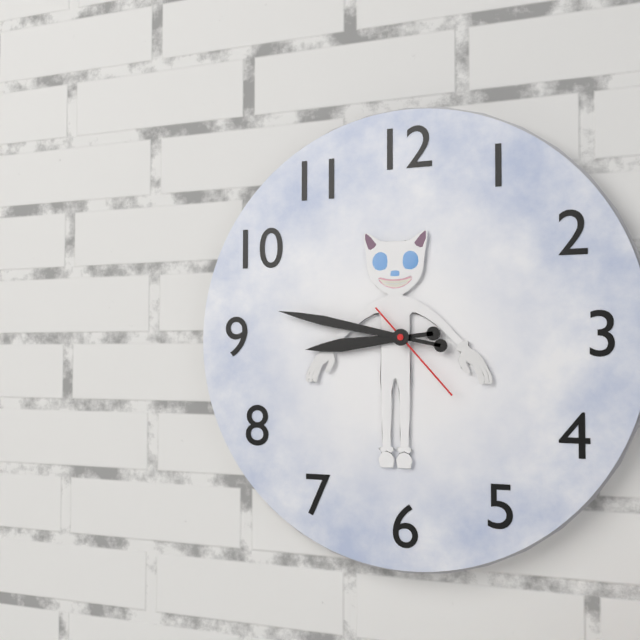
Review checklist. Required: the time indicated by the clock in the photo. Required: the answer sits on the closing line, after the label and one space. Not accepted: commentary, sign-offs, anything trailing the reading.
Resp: 8:47:23
